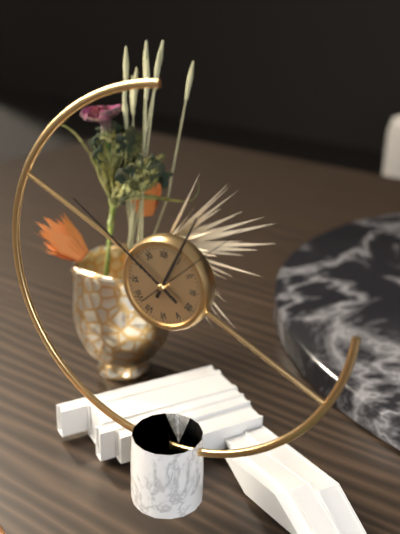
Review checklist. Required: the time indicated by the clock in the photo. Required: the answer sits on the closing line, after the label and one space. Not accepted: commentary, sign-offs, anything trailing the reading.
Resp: 12:51:08
